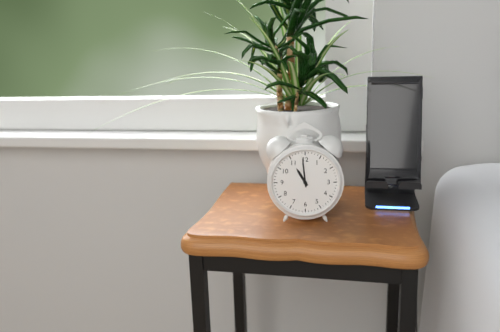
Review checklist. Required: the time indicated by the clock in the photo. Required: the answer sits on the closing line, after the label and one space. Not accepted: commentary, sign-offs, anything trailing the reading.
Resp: 10:59
